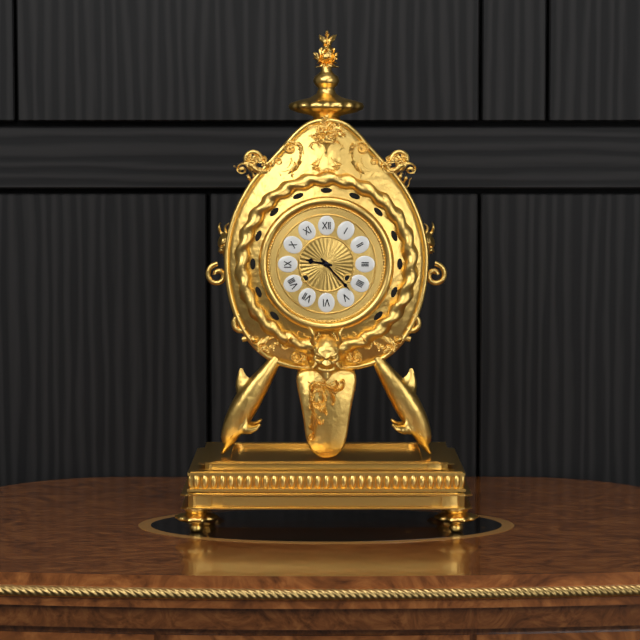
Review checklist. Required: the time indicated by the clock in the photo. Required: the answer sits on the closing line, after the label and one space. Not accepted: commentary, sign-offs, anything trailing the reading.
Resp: 9:23
